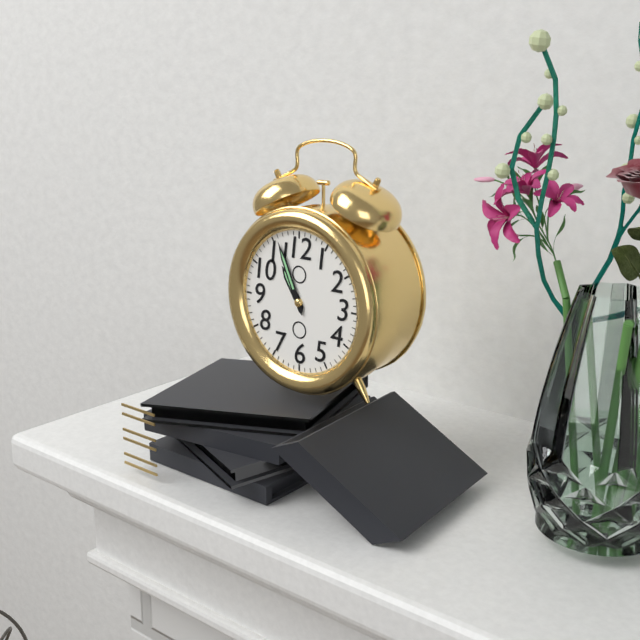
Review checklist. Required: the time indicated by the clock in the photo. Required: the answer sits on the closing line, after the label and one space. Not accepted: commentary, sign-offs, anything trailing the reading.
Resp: 10:56
